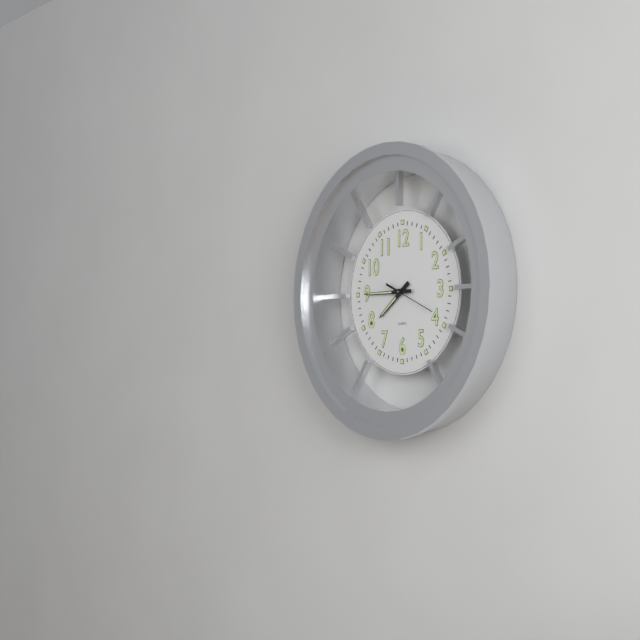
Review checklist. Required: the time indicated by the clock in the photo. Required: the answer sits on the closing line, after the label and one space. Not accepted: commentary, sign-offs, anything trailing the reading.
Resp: 7:45
